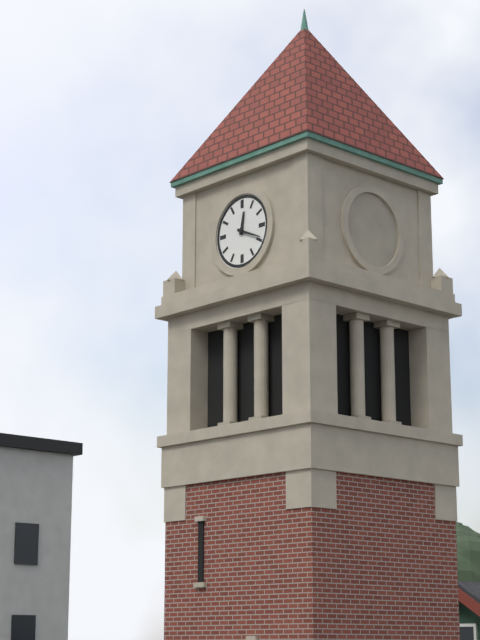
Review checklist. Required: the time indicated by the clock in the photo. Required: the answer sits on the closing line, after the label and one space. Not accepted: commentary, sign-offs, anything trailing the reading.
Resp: 12:19
